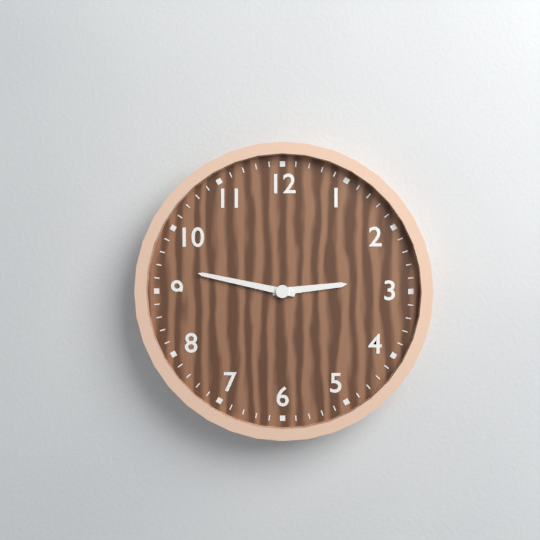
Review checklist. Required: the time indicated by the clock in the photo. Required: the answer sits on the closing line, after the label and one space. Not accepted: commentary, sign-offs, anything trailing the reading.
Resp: 2:47
